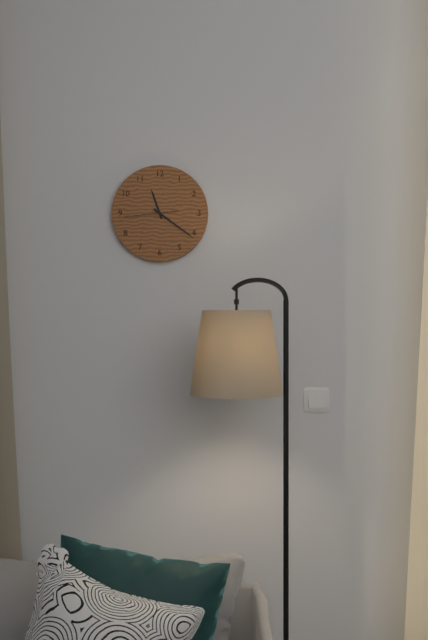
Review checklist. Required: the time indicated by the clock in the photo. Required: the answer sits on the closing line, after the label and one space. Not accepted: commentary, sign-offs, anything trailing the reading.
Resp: 11:21
